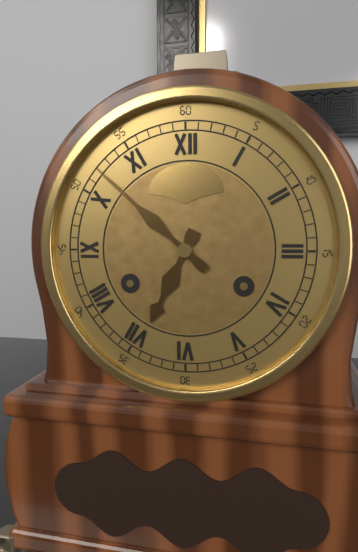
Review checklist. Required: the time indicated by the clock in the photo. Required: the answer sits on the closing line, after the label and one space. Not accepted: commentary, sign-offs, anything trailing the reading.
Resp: 6:52
